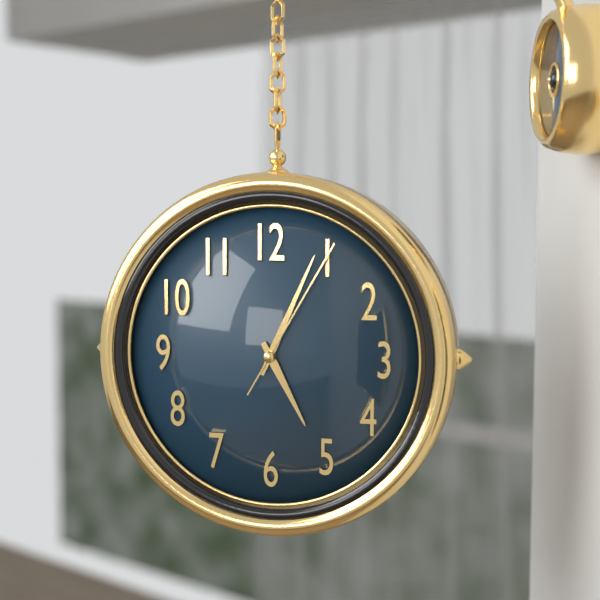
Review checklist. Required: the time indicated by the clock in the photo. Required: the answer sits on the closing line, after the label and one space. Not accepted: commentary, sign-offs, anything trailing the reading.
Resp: 5:04:05
